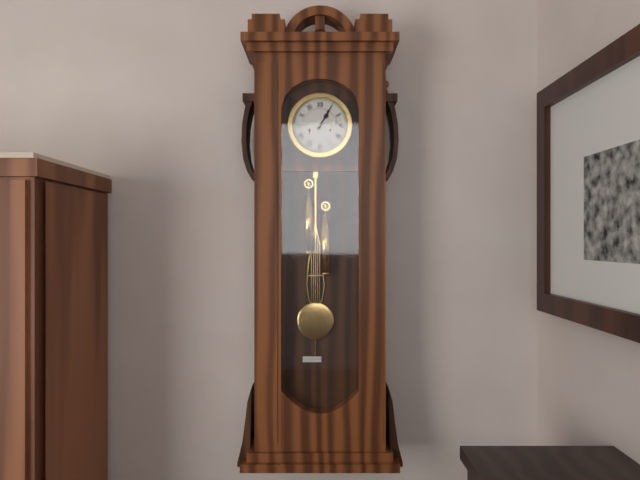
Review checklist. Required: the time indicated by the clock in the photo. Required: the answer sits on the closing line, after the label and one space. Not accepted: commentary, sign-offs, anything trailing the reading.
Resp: 1:05
